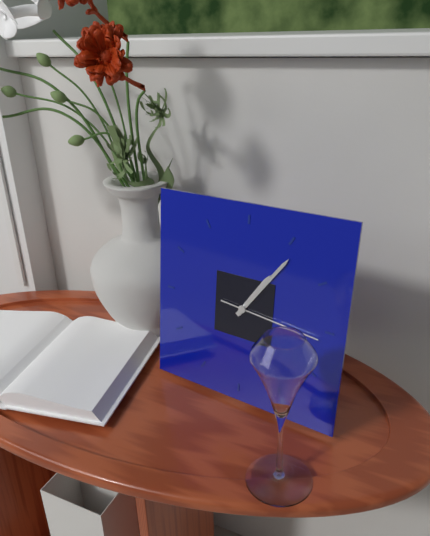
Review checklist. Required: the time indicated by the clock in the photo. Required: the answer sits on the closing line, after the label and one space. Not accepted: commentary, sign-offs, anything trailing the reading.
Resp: 1:06:16
